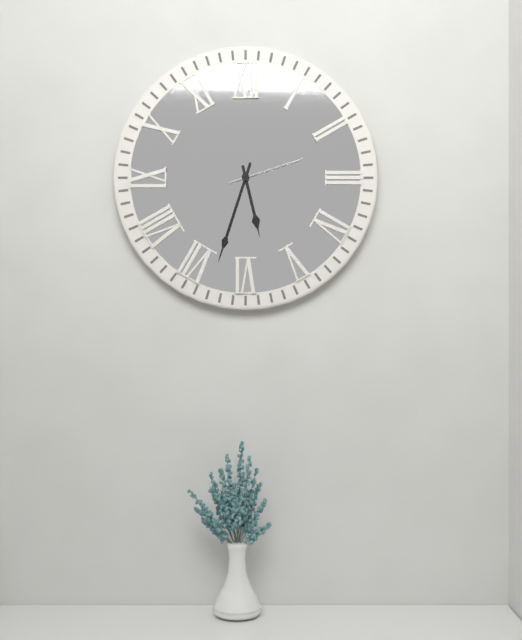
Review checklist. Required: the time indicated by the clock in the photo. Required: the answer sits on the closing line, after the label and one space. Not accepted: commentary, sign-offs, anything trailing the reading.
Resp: 5:33:12
